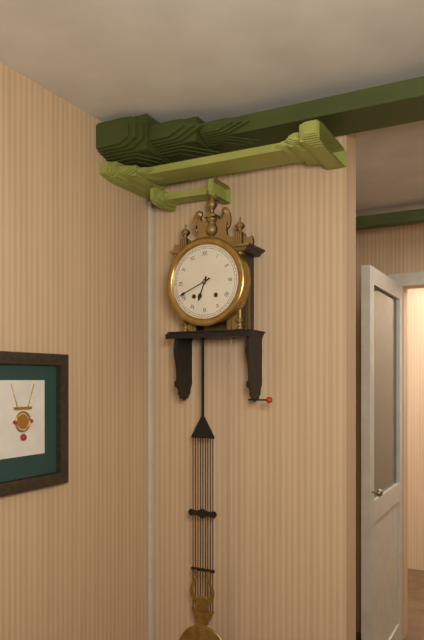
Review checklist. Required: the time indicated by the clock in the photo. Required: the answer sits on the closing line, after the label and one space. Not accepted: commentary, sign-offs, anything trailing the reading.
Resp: 6:41
